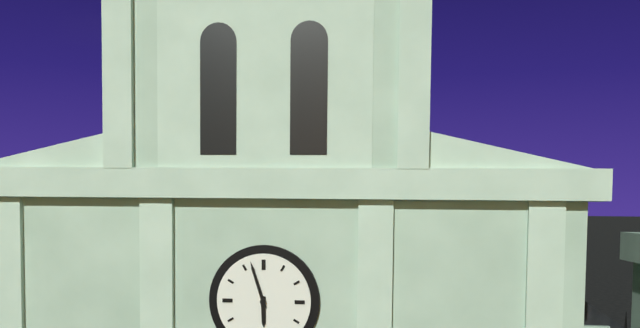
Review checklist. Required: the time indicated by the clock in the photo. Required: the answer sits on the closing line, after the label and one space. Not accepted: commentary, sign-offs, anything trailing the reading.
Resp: 5:57
